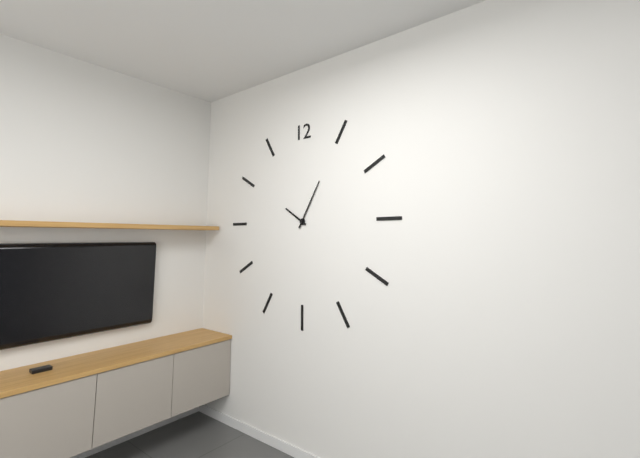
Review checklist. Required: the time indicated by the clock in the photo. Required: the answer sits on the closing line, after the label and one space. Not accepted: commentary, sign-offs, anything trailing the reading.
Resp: 10:05
